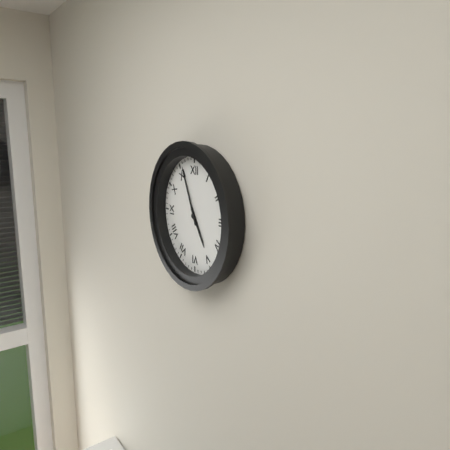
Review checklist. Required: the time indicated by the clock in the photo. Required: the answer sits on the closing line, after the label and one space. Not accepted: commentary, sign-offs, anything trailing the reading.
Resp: 4:56
